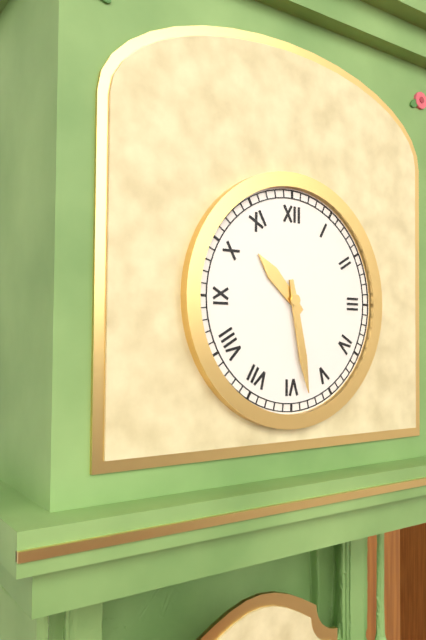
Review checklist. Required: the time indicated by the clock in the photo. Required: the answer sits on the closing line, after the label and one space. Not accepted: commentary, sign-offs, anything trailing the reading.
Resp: 10:28
